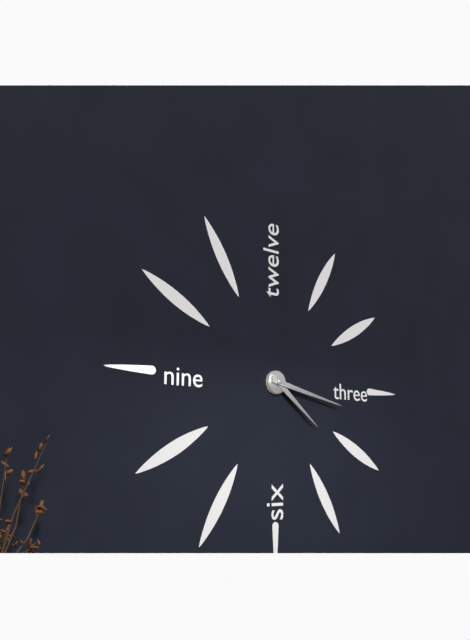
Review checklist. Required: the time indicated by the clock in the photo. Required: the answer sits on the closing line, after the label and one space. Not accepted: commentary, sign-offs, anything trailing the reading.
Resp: 4:17
